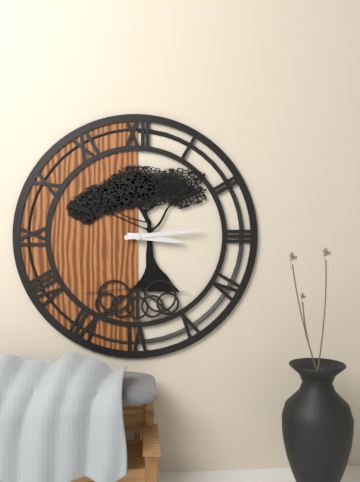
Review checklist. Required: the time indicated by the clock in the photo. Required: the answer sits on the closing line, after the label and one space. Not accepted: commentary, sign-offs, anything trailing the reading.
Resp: 3:14
